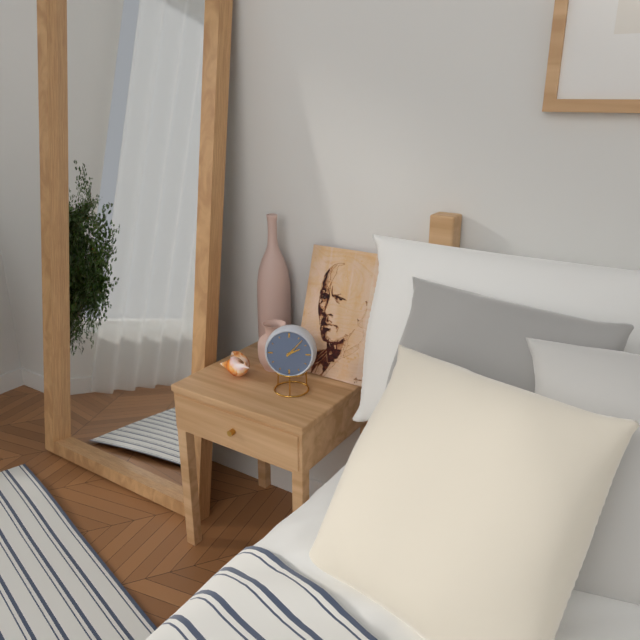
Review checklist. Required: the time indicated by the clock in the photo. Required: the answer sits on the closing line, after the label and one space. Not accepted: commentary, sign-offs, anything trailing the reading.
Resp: 2:07
